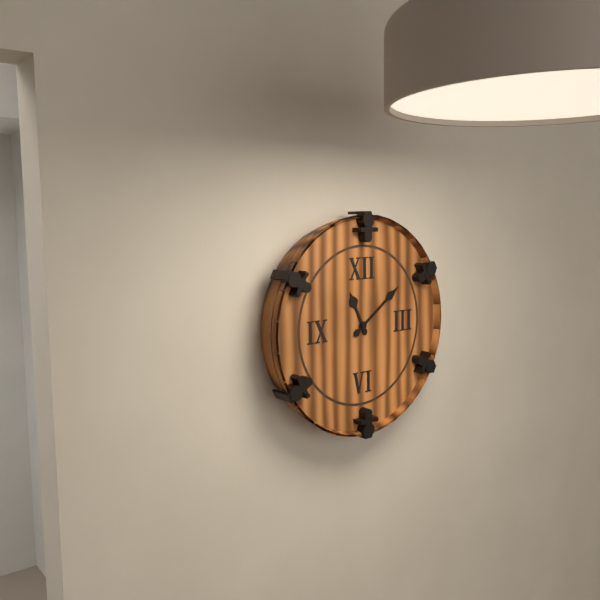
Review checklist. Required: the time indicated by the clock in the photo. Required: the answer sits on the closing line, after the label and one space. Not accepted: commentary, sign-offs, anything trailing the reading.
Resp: 11:09
